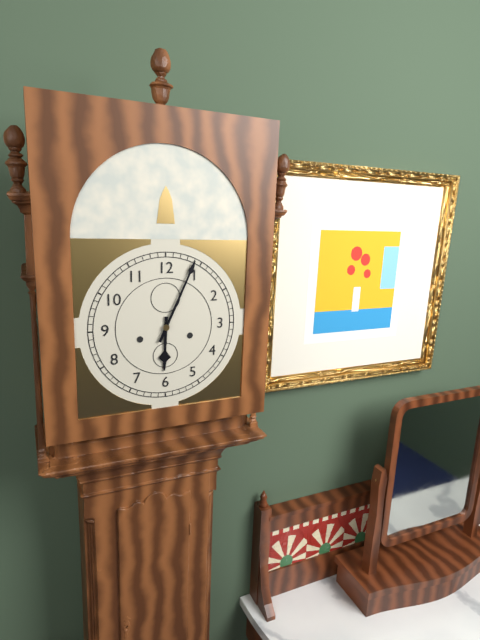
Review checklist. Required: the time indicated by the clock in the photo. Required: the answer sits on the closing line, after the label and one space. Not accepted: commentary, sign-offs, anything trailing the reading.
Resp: 6:04
